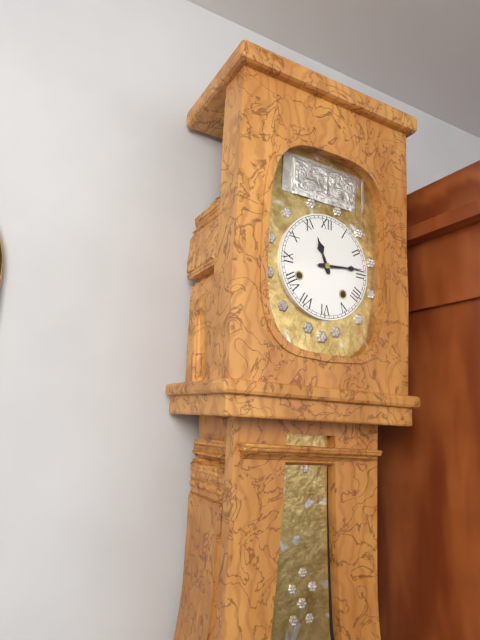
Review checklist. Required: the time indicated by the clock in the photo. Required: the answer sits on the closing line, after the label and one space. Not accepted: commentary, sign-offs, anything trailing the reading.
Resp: 11:14
